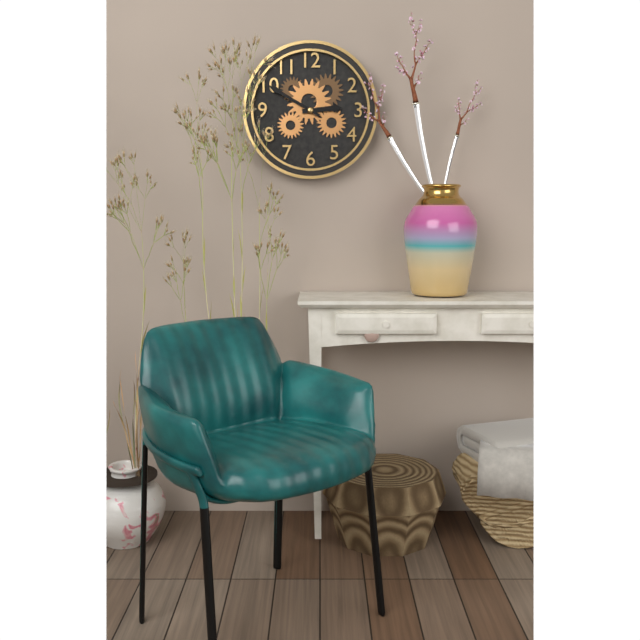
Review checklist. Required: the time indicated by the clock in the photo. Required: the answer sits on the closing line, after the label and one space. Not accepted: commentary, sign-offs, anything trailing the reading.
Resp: 2:50
